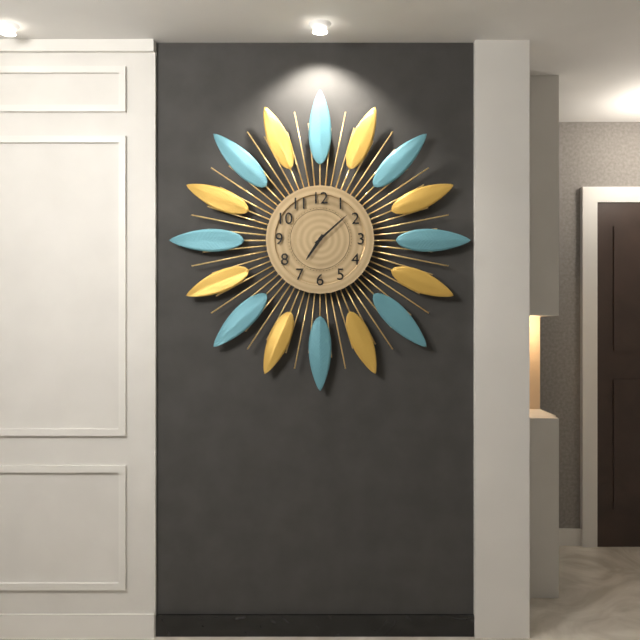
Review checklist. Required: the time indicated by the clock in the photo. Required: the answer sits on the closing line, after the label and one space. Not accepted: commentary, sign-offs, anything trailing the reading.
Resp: 7:08
